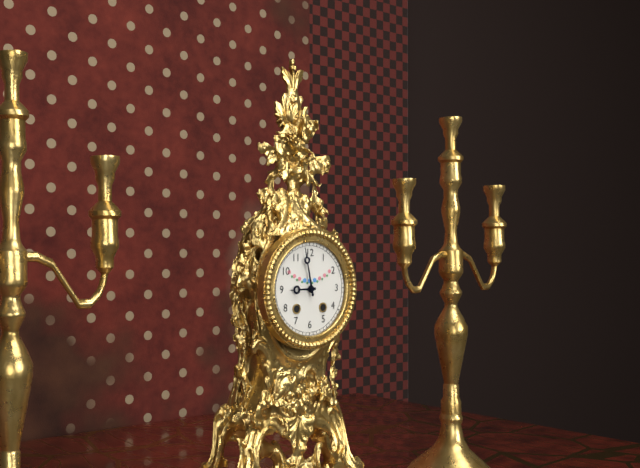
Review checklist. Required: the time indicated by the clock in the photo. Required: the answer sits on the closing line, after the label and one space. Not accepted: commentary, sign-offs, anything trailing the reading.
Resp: 8:58
